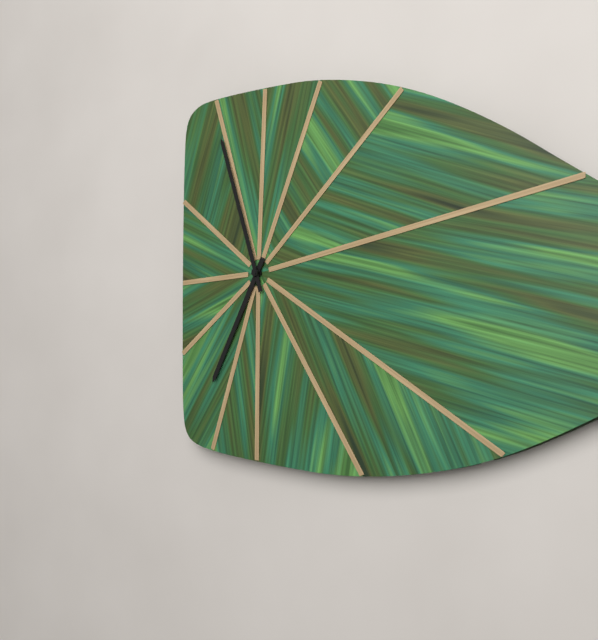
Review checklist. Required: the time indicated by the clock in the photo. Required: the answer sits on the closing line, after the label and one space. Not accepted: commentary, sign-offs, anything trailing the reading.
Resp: 6:57
